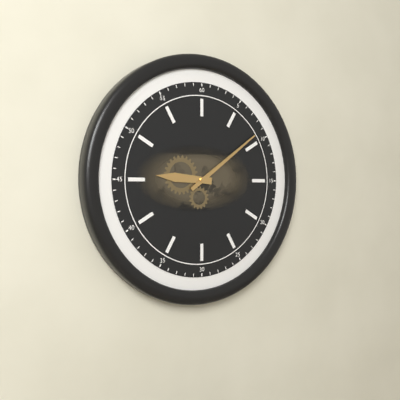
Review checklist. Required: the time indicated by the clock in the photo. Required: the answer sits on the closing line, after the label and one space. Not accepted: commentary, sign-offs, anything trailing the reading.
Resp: 9:09
